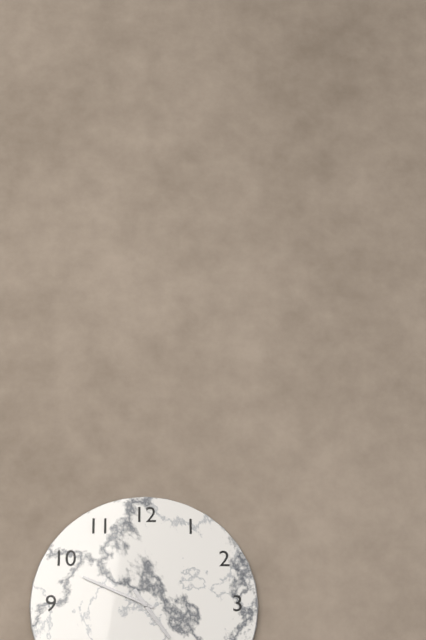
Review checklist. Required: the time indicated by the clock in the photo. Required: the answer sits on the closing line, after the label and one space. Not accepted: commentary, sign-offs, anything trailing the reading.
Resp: 4:49
